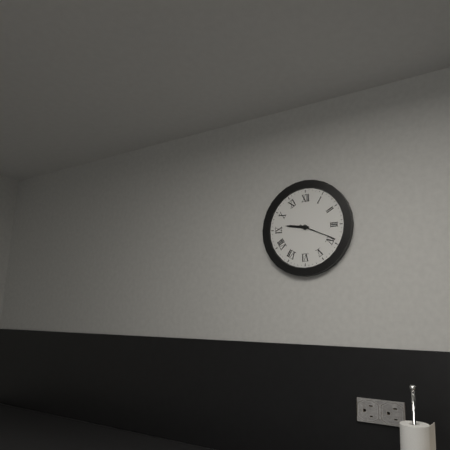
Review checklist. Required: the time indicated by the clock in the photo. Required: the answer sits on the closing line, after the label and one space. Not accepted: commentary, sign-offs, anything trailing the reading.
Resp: 9:19
